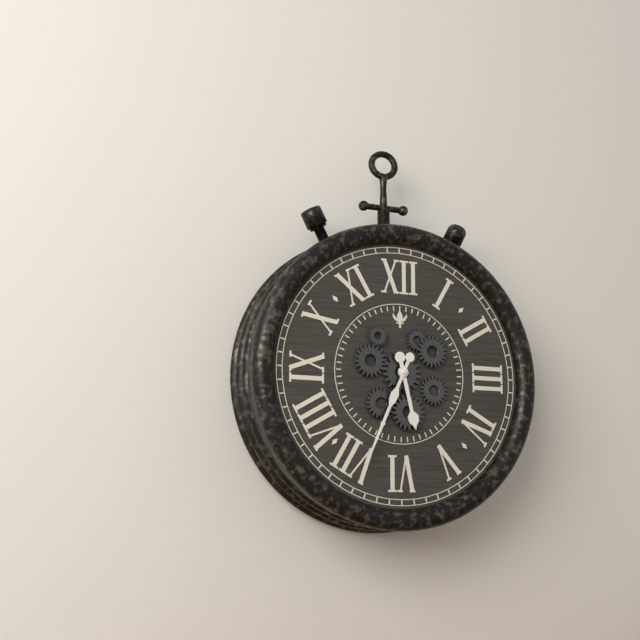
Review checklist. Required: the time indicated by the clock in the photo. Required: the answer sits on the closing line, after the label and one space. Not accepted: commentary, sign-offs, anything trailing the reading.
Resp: 5:34
